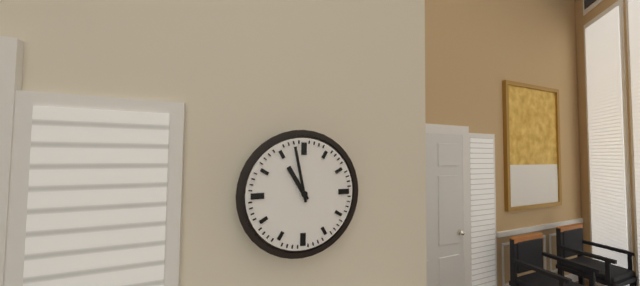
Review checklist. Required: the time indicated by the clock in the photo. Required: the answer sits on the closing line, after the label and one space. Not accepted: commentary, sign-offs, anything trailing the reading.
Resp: 10:58
